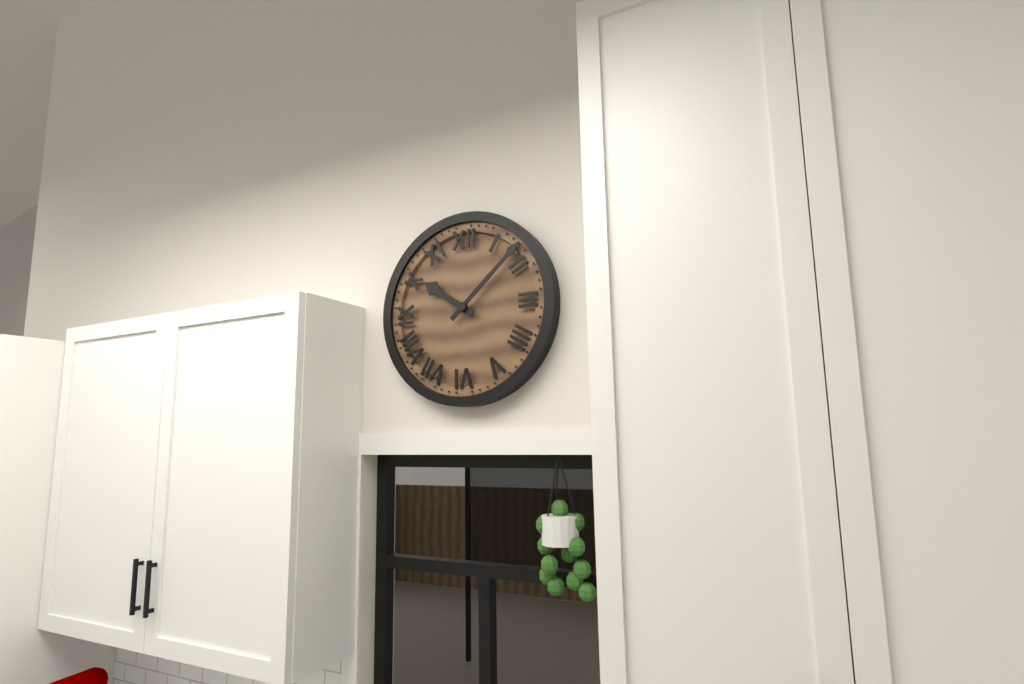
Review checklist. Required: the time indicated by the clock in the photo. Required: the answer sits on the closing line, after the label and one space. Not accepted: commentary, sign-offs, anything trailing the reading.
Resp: 10:08
